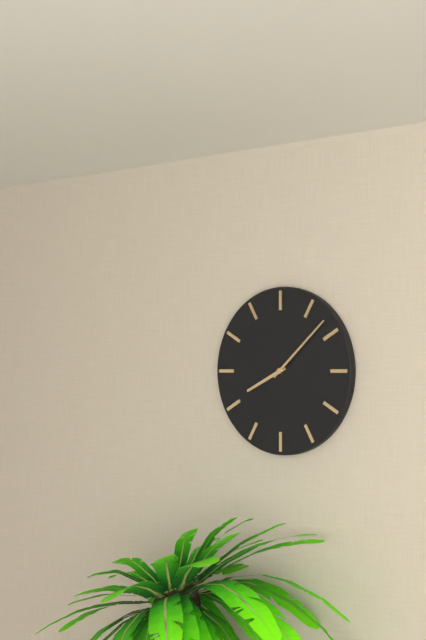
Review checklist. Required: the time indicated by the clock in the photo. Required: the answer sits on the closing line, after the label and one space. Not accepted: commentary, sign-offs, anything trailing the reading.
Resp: 8:08
